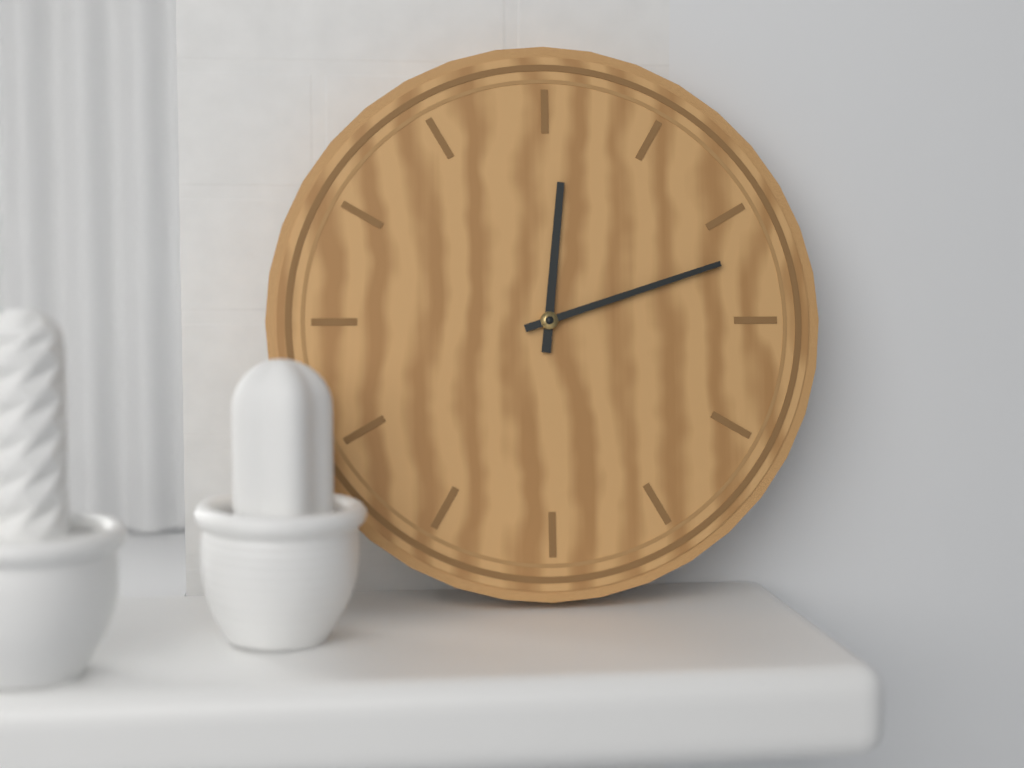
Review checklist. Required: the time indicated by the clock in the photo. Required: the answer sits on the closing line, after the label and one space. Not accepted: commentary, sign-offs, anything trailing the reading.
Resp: 12:12
